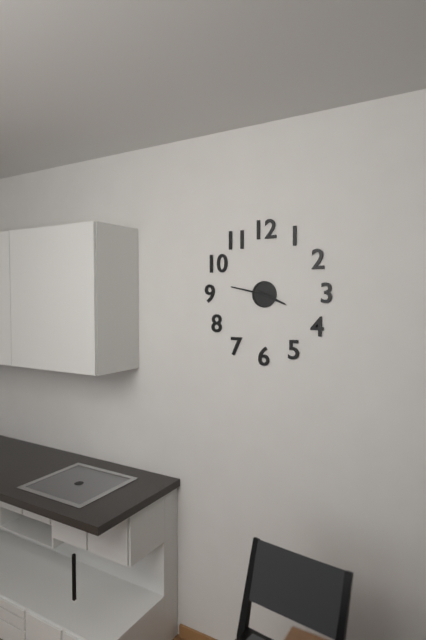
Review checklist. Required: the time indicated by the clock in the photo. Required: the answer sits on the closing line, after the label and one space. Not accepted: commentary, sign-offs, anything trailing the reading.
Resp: 3:47
